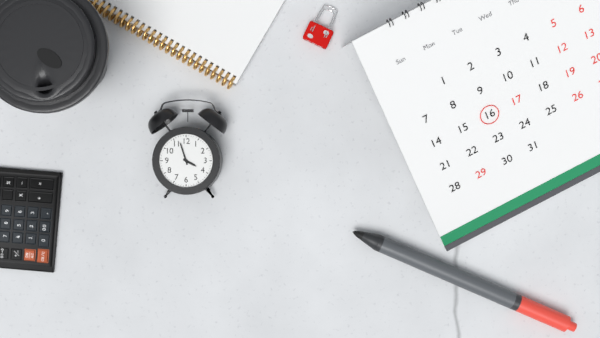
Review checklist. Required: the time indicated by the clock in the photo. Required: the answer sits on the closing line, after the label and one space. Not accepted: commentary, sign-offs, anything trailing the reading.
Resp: 3:57
